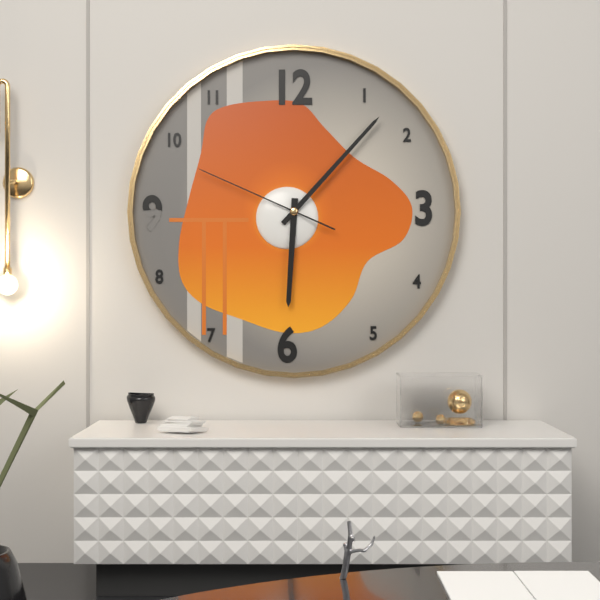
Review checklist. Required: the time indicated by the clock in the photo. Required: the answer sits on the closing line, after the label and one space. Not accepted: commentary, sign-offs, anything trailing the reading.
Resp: 6:07:49
